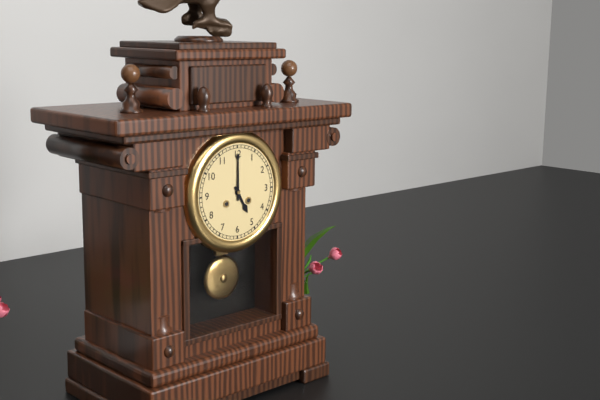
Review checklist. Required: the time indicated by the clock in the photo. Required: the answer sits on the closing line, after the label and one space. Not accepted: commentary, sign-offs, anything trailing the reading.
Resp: 5:00
